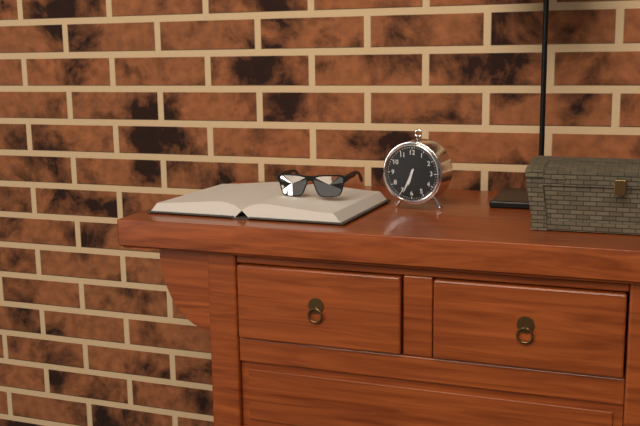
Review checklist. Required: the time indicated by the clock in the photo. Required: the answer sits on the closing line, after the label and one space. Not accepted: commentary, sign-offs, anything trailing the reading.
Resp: 6:34
